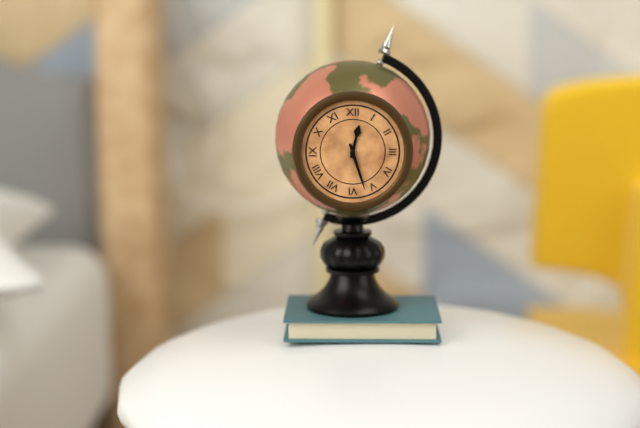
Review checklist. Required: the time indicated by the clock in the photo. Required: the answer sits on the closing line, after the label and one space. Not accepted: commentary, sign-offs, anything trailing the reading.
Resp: 12:27
